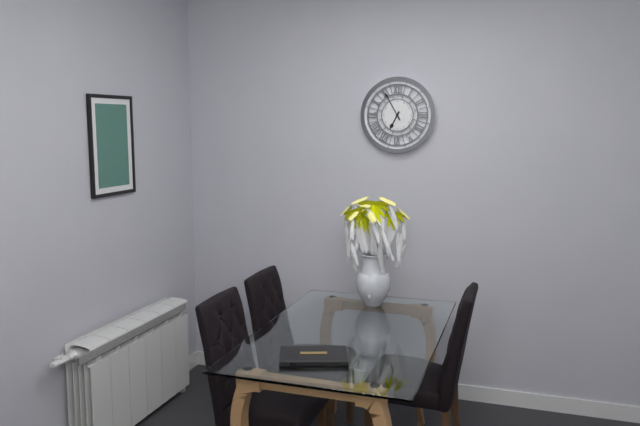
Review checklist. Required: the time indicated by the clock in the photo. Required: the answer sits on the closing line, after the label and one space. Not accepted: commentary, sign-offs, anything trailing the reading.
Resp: 6:55
